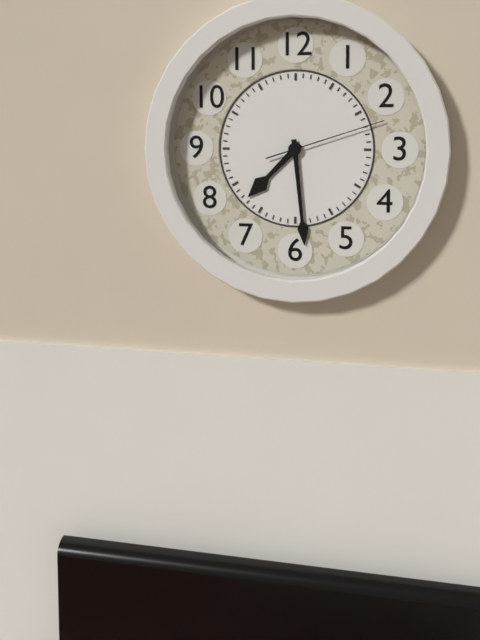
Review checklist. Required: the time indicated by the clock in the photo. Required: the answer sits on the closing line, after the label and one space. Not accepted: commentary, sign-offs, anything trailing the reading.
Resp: 7:29:12
